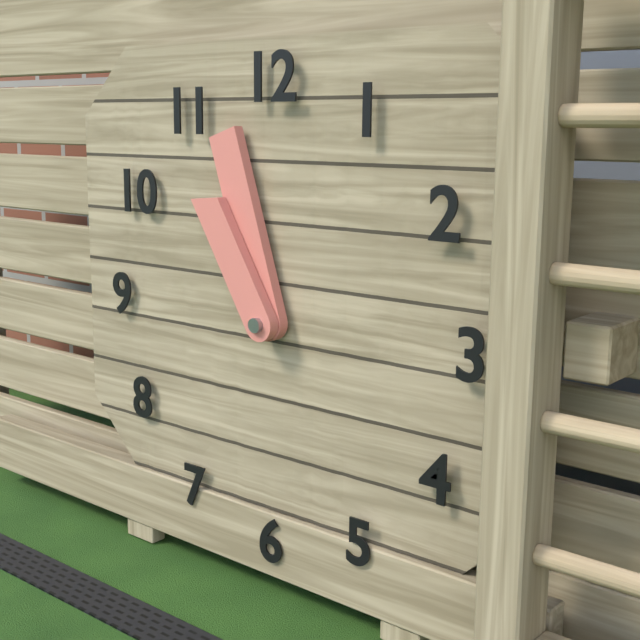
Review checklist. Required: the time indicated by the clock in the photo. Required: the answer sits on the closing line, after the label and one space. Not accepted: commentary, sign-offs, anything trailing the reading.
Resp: 10:57
